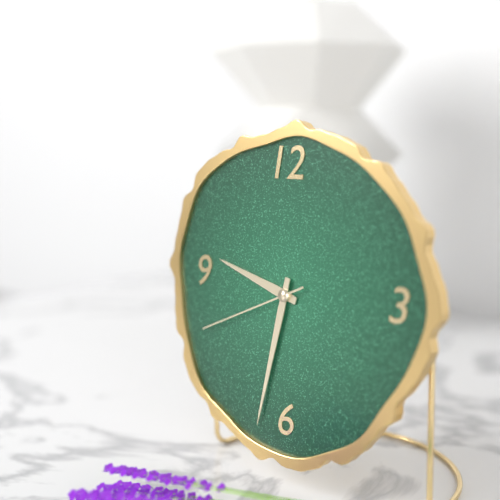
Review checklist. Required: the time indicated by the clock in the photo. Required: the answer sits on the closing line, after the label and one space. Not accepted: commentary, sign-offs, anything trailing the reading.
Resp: 9:32:41
